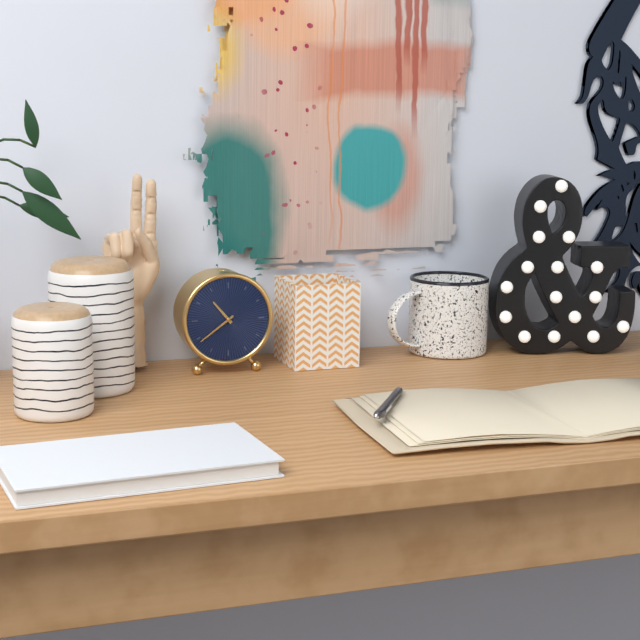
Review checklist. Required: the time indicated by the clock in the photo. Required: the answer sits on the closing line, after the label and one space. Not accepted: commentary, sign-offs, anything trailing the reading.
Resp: 10:39
